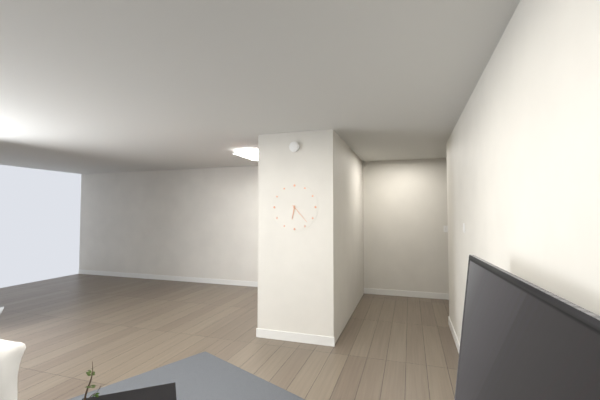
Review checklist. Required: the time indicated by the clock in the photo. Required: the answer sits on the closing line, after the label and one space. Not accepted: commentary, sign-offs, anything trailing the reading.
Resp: 6:23
